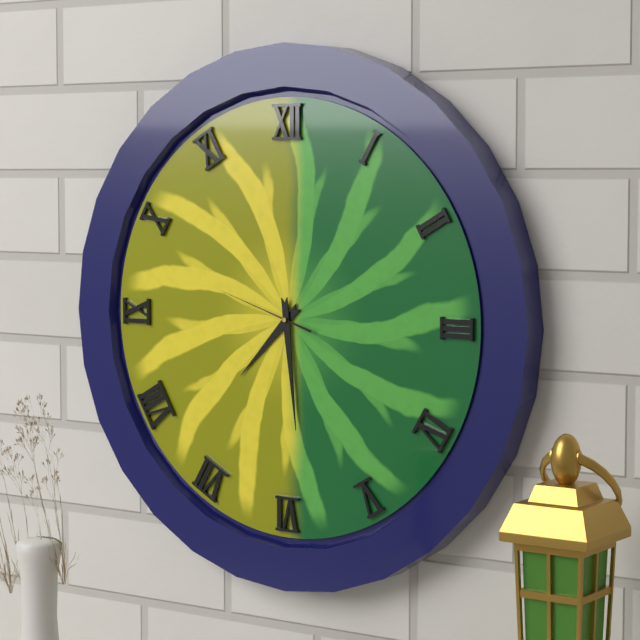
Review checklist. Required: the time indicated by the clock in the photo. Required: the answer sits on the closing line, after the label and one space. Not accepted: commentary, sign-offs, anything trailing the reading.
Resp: 7:29:48
